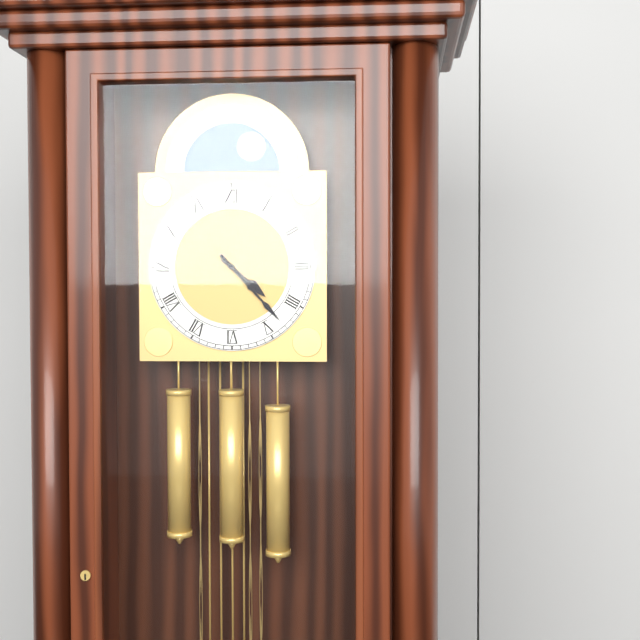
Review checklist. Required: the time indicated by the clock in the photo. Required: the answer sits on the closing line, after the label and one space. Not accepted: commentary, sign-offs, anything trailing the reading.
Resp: 4:23
